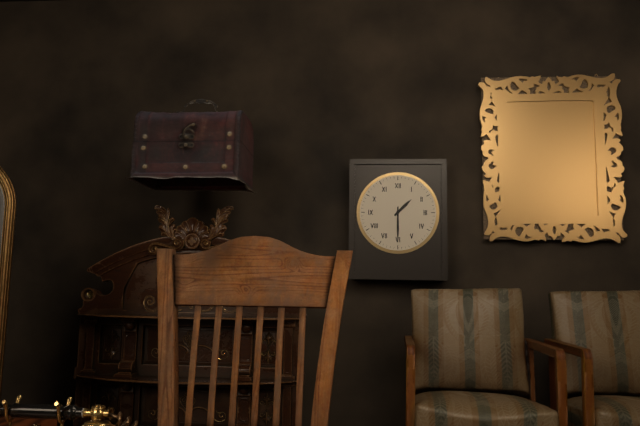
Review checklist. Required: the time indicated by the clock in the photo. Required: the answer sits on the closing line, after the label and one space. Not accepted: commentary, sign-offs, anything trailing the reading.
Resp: 1:30
